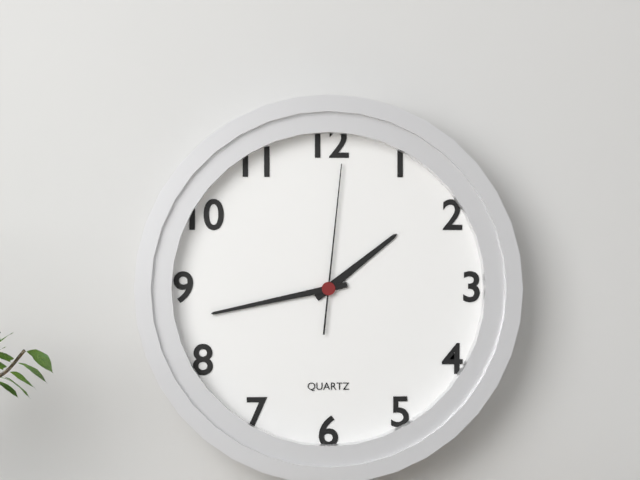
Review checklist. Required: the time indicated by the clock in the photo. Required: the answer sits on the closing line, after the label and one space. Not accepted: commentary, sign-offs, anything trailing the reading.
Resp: 1:43:01
